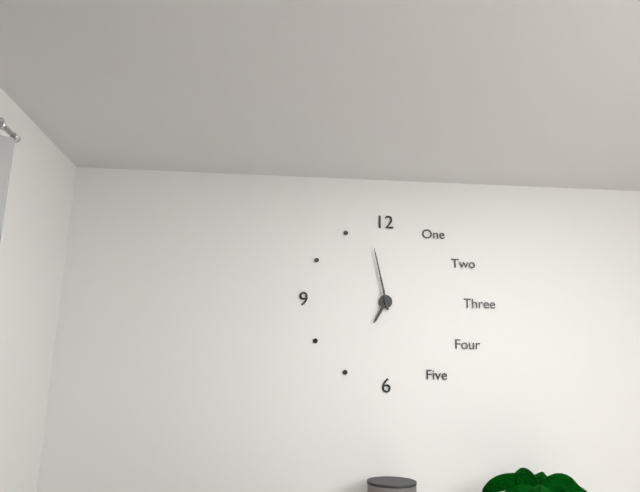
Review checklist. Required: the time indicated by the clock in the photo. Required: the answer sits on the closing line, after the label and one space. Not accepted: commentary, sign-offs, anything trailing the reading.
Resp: 6:58
